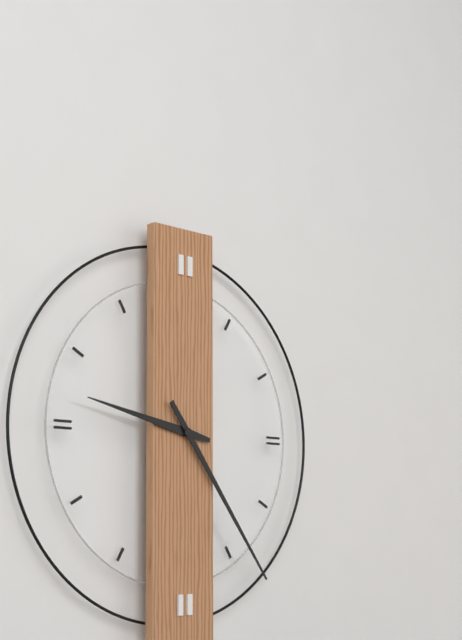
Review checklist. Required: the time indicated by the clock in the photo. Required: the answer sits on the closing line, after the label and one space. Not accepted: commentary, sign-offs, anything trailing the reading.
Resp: 9:24
